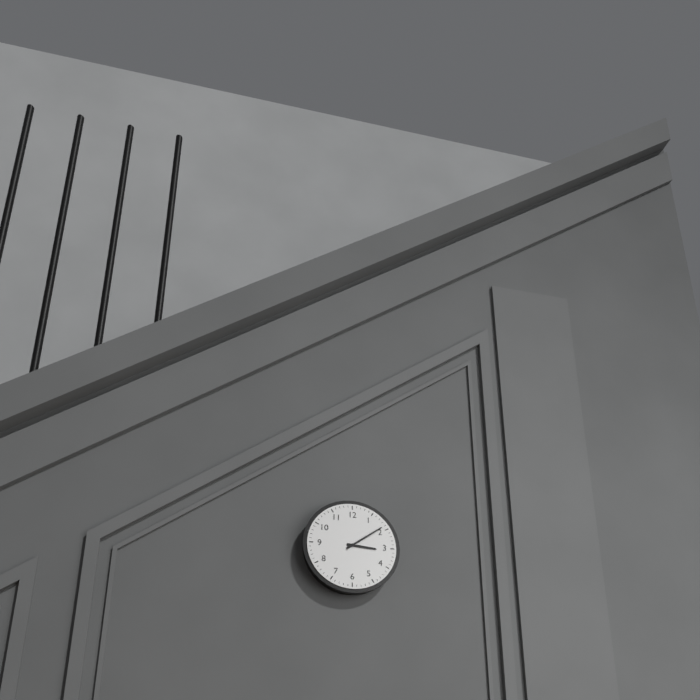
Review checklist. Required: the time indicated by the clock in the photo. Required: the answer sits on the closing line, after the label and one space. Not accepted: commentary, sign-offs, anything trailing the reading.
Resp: 3:09
